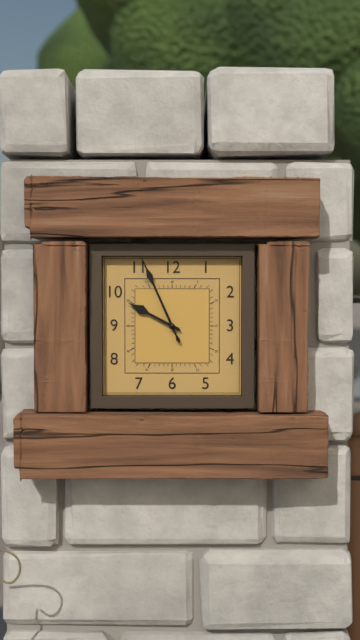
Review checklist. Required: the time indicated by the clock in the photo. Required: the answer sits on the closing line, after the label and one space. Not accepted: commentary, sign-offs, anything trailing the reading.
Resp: 9:56
